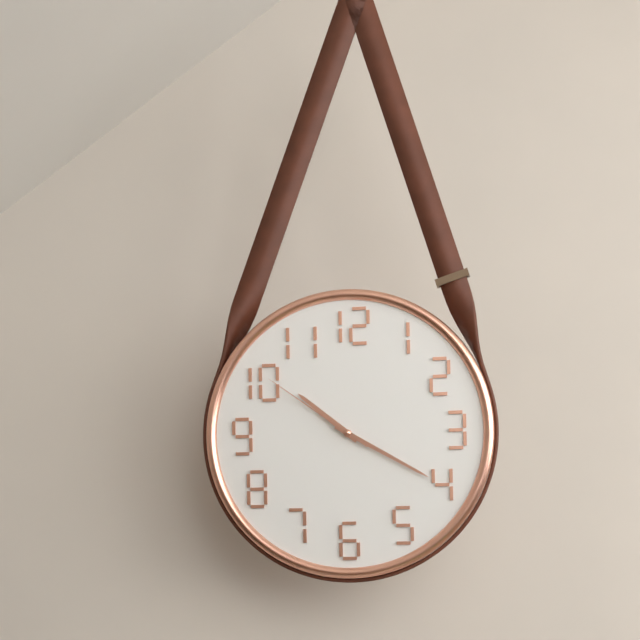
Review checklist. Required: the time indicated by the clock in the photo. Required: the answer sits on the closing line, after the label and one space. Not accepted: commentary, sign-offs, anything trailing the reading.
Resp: 10:20:51
